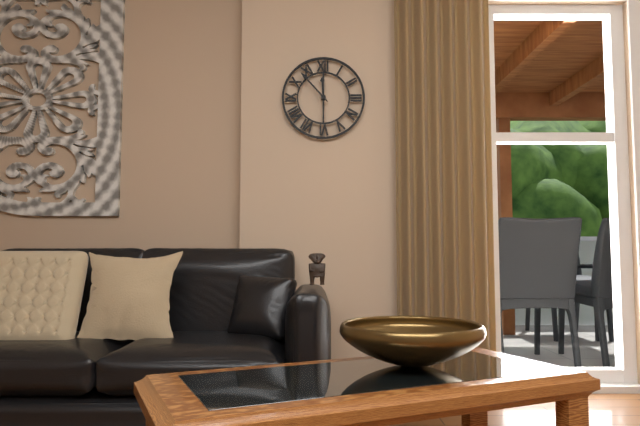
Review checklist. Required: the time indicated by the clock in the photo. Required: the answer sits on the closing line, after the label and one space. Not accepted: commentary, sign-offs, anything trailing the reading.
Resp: 11:53
